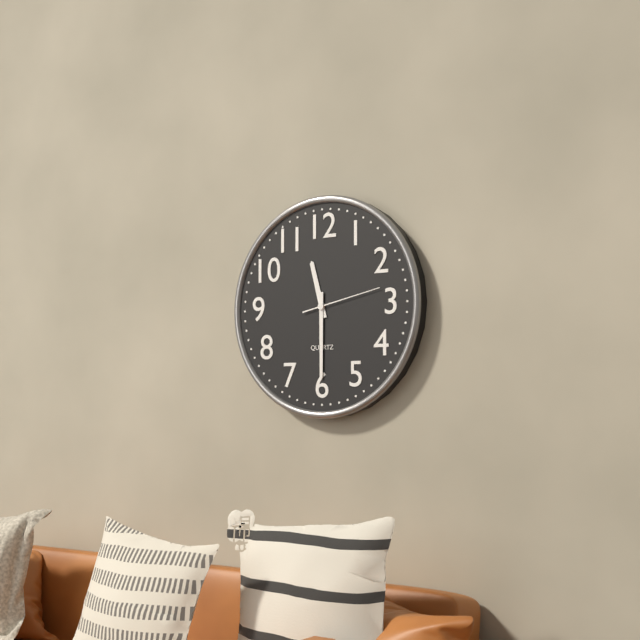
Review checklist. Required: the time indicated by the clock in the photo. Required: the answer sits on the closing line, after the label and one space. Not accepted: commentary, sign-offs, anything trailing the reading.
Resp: 11:30:13
